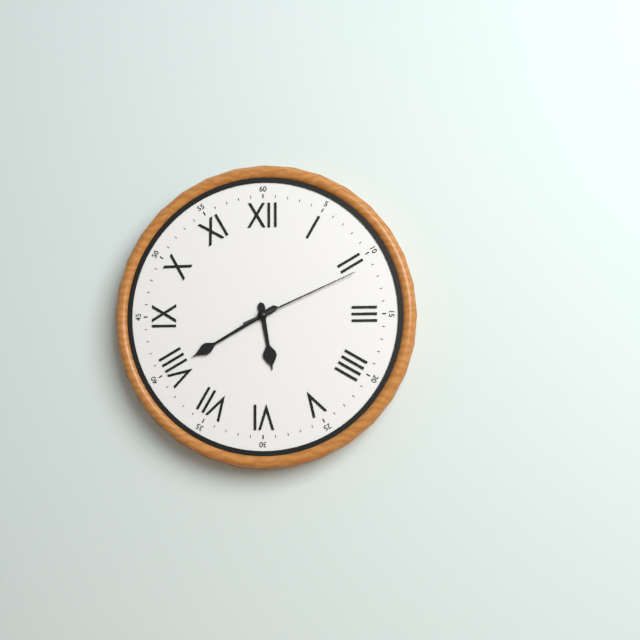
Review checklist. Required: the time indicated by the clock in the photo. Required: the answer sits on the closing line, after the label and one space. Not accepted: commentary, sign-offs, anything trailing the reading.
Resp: 5:40:11
